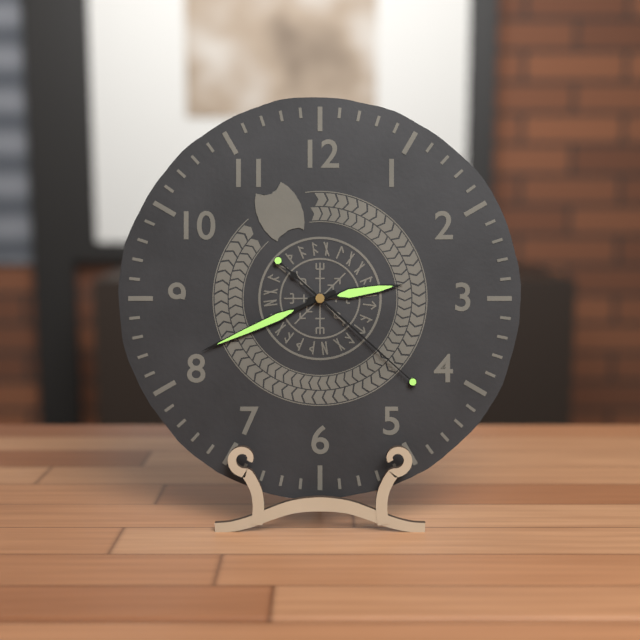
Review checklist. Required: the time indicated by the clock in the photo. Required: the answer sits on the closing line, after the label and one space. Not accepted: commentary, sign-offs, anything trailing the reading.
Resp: 2:41:22
